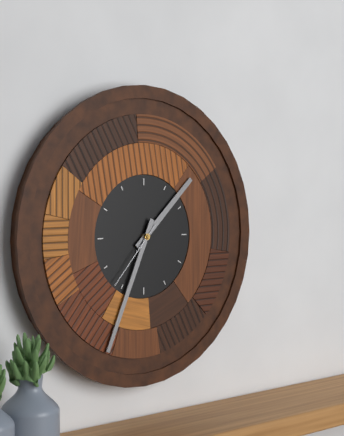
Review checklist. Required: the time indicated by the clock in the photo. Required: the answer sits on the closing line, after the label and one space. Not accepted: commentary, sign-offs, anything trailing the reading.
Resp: 1:34:37
